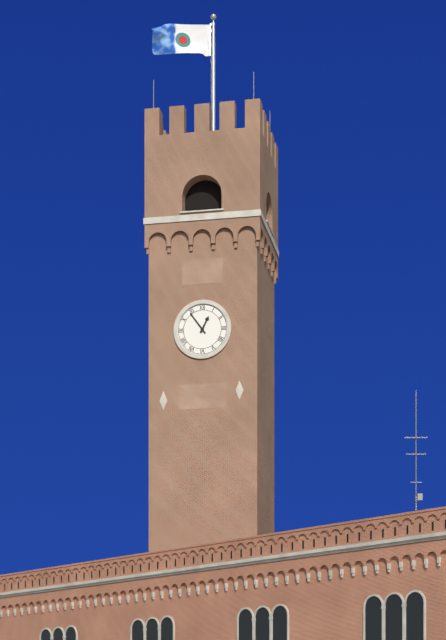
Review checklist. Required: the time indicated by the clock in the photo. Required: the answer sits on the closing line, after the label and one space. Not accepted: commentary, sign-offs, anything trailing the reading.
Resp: 12:54
